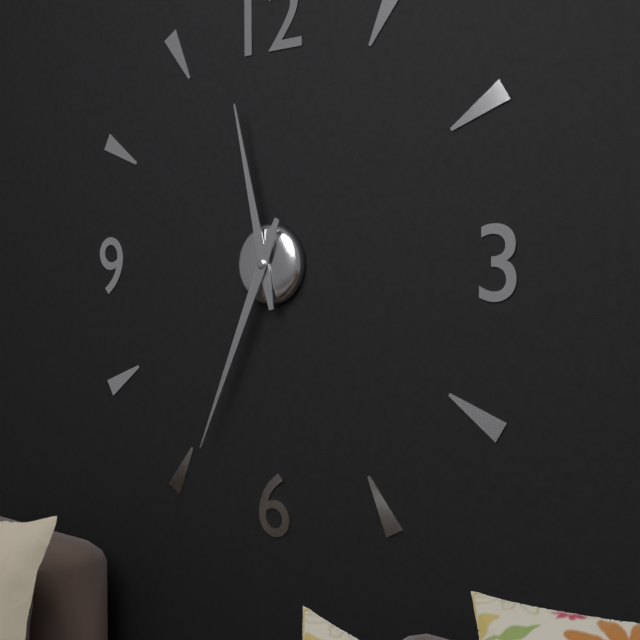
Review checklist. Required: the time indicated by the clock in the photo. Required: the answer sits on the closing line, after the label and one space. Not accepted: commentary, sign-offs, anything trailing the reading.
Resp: 11:34
